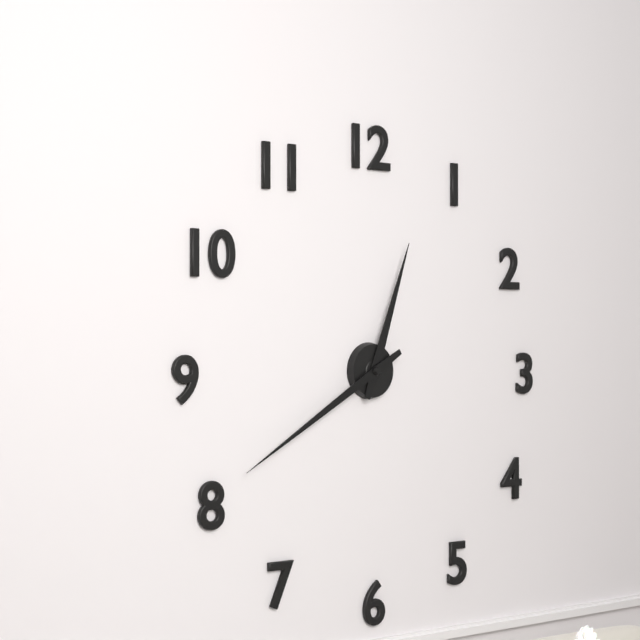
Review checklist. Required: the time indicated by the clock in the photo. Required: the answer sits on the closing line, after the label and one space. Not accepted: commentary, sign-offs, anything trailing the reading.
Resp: 12:40
